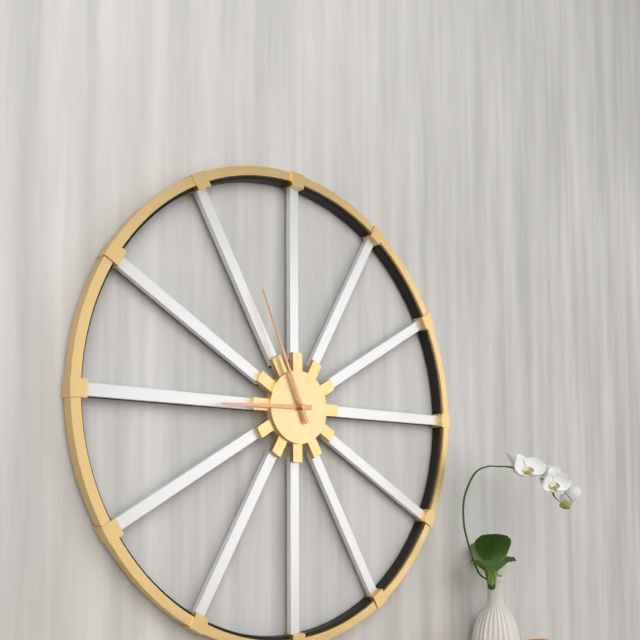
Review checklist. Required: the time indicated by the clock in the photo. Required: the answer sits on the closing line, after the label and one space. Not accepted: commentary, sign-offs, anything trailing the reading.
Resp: 8:56
